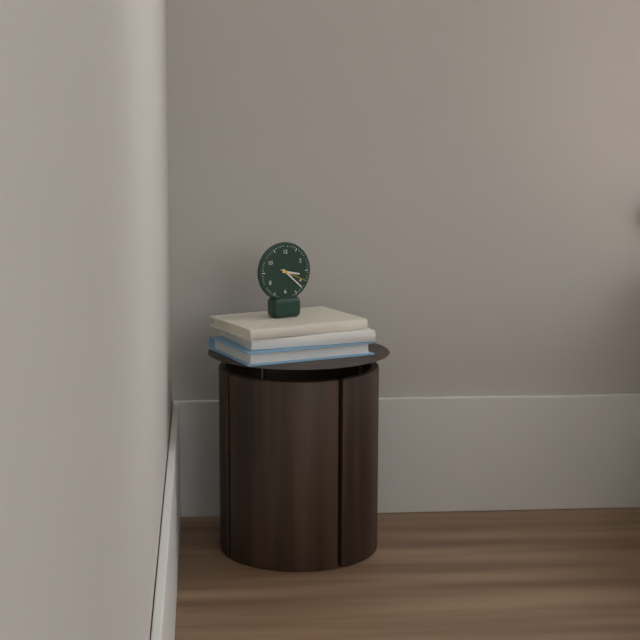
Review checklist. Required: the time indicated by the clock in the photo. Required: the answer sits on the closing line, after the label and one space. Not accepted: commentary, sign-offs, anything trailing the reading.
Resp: 3:22
